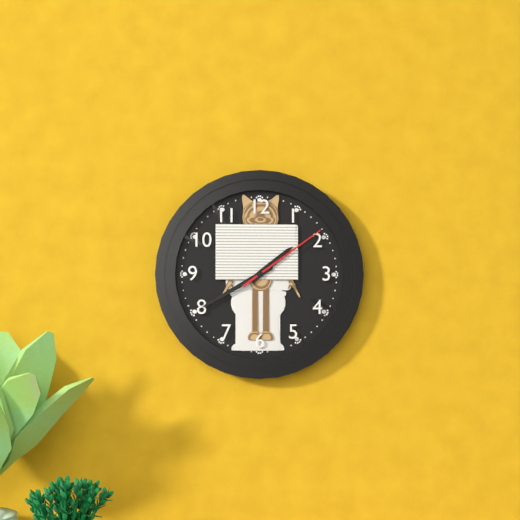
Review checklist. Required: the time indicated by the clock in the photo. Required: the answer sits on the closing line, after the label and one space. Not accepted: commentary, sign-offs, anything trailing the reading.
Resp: 1:40:09
